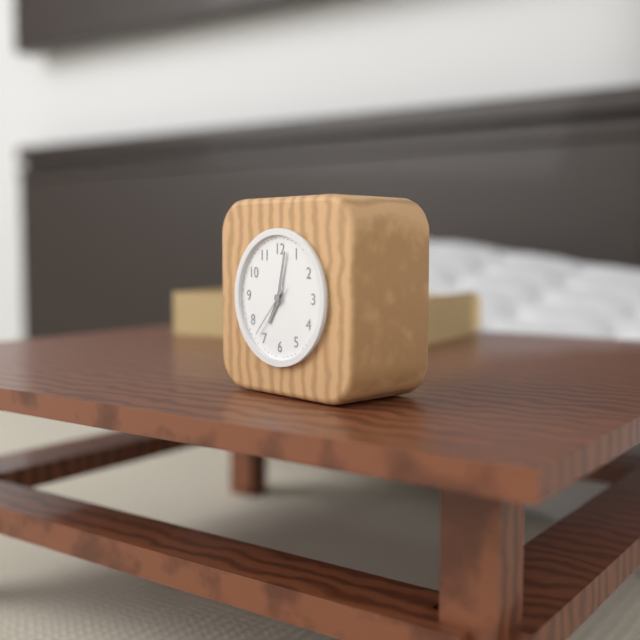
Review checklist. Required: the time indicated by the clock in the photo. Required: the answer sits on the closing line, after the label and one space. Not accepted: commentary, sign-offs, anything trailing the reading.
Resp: 7:02:37
